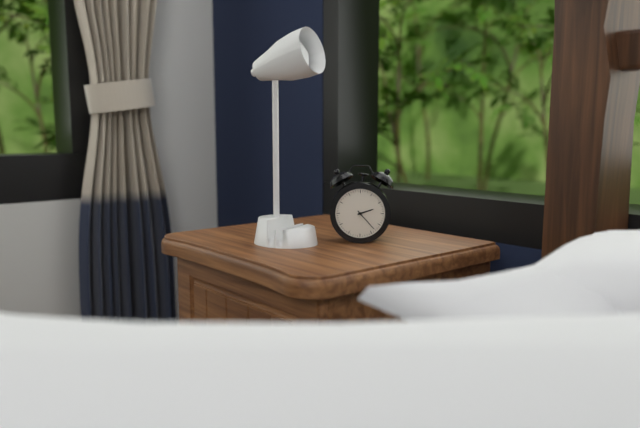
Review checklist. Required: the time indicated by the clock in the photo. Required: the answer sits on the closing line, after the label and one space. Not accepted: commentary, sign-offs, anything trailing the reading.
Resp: 2:23
